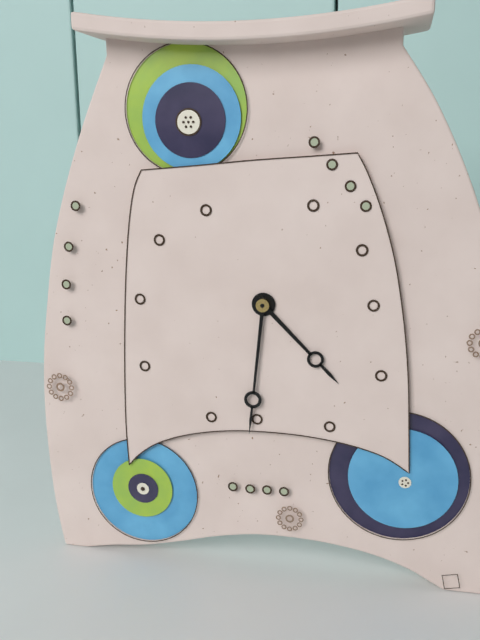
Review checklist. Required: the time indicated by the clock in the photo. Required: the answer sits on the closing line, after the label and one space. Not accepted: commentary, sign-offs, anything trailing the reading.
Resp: 4:31
